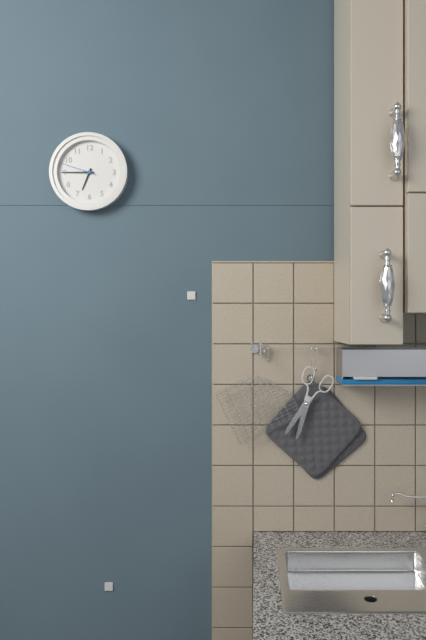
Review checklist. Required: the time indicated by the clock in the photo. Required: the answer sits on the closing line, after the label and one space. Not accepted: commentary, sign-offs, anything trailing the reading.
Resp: 6:45
